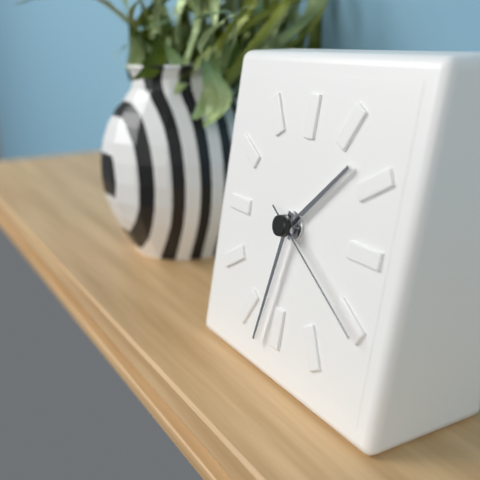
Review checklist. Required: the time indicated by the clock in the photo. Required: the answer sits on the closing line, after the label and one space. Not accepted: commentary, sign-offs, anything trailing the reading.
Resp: 1:32:20
